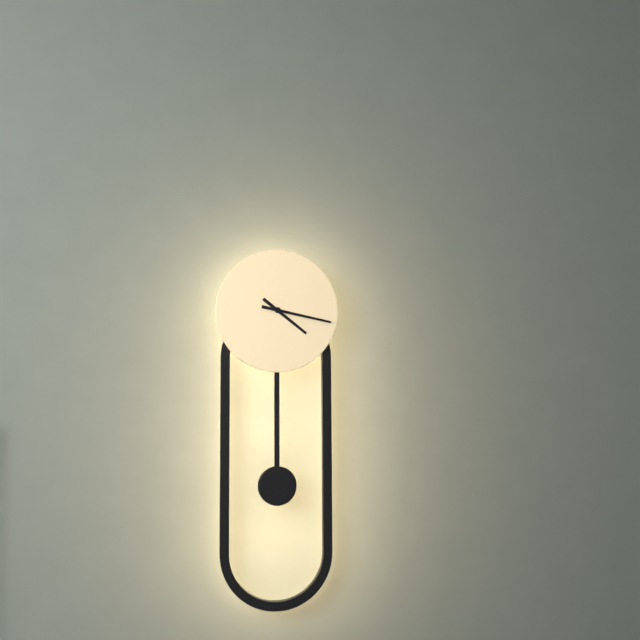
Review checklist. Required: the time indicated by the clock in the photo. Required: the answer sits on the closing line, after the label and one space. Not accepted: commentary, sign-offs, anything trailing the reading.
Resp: 4:17
